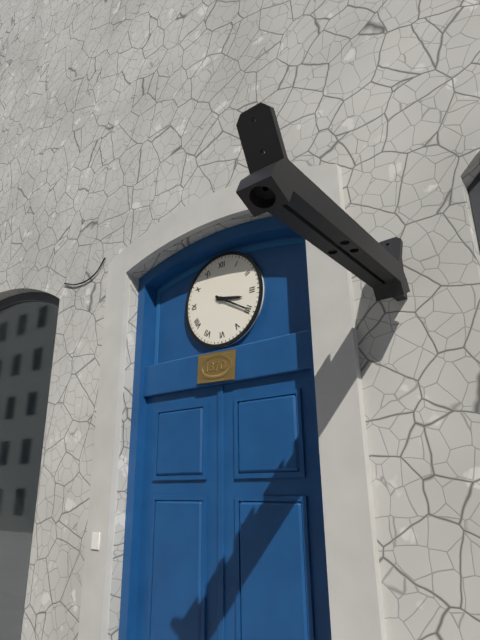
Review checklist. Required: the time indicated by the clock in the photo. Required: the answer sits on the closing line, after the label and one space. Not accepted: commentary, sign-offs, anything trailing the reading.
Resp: 3:20
